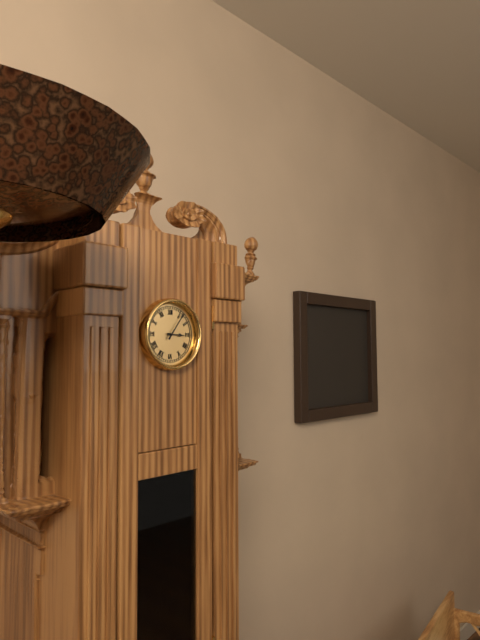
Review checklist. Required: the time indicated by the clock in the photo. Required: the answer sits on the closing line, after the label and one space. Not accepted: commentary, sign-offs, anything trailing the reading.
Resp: 3:06
